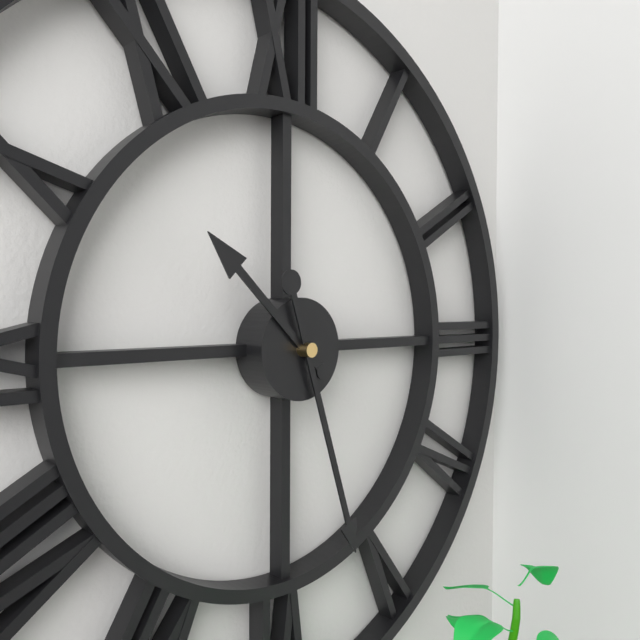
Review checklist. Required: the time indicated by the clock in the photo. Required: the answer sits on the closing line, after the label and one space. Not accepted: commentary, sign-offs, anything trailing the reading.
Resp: 10:27
